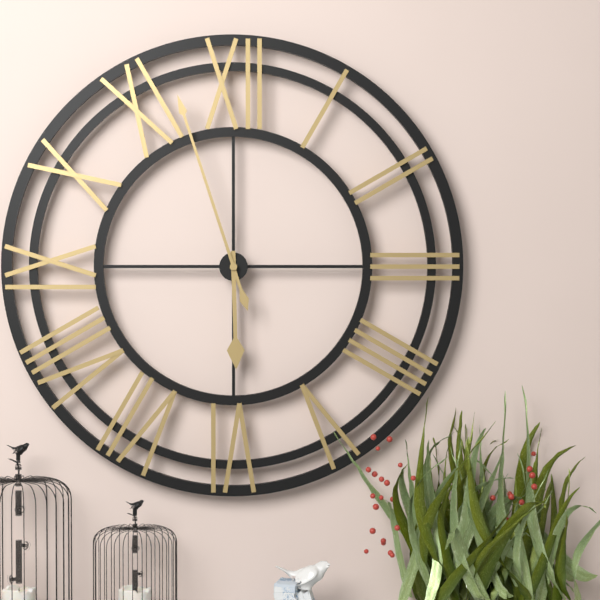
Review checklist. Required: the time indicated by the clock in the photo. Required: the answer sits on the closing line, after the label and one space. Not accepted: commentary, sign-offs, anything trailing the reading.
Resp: 5:57
